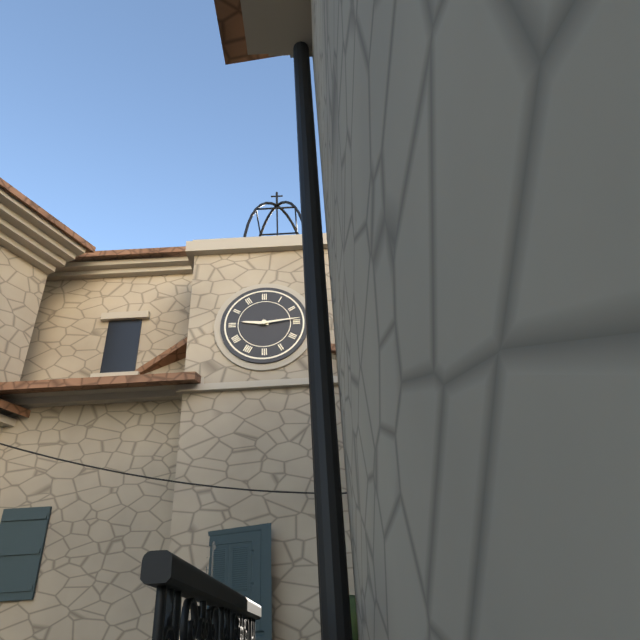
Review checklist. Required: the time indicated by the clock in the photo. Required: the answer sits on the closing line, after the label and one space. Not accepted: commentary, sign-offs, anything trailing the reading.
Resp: 9:14
